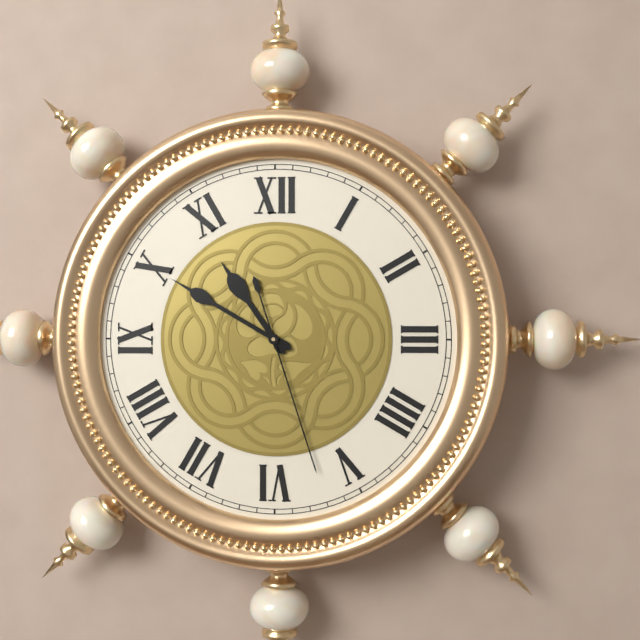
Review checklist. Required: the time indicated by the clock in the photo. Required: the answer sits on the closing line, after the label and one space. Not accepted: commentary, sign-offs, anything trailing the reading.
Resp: 10:50:27
